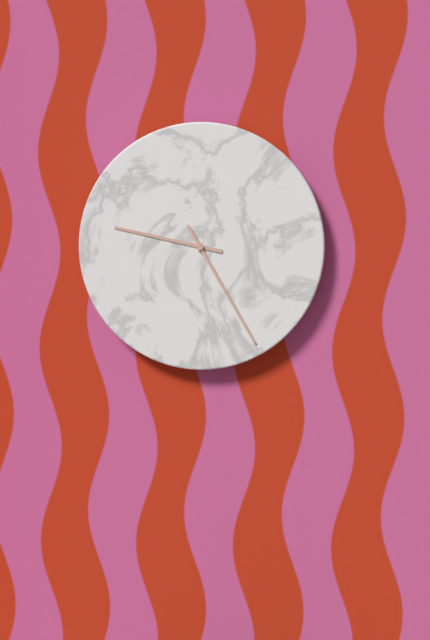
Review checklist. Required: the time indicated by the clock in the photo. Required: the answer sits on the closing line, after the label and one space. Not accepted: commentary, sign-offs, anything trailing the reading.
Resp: 9:25
